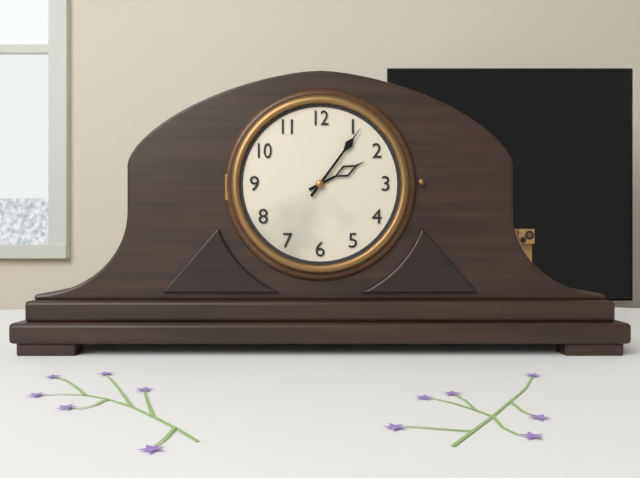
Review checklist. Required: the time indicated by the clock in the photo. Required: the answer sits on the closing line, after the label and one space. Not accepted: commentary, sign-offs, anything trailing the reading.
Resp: 2:06
